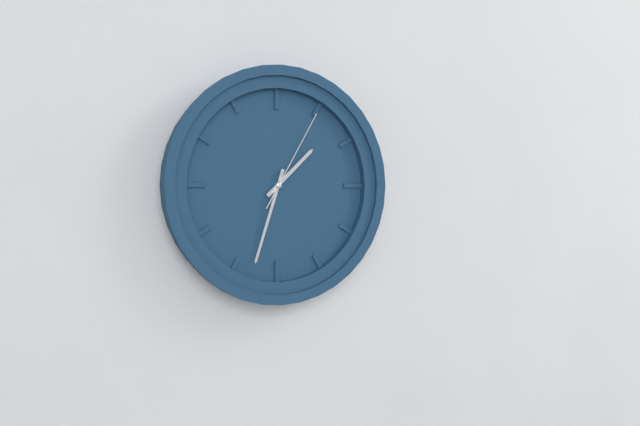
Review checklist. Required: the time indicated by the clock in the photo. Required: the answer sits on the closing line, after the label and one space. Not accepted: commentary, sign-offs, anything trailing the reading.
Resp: 1:33:05
